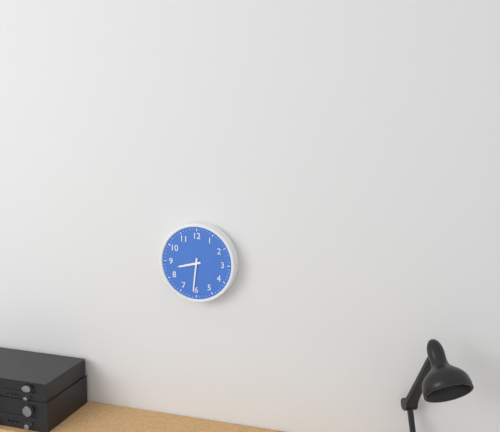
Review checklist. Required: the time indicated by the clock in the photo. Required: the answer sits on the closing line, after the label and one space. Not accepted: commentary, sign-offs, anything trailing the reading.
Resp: 8:31
